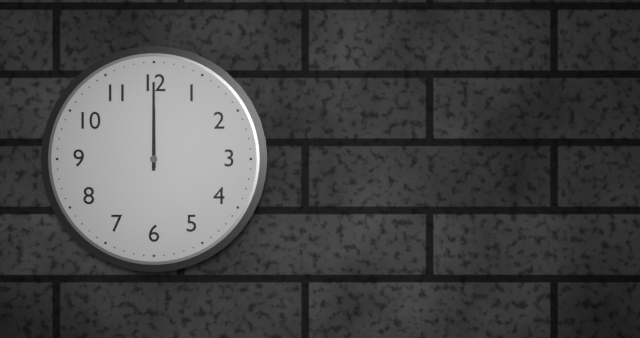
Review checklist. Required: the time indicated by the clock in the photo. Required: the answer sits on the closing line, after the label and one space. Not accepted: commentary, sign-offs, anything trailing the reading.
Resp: 12:00
